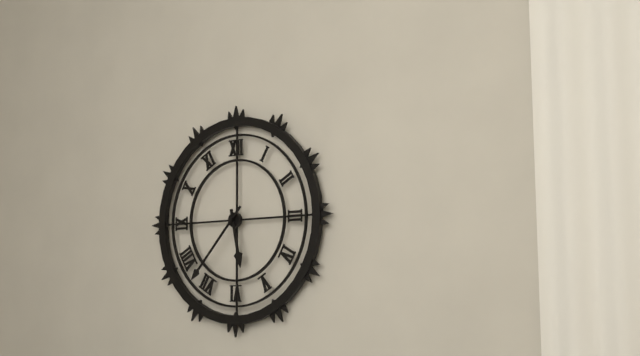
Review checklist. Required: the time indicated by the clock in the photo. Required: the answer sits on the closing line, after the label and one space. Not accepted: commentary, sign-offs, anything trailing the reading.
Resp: 5:37
